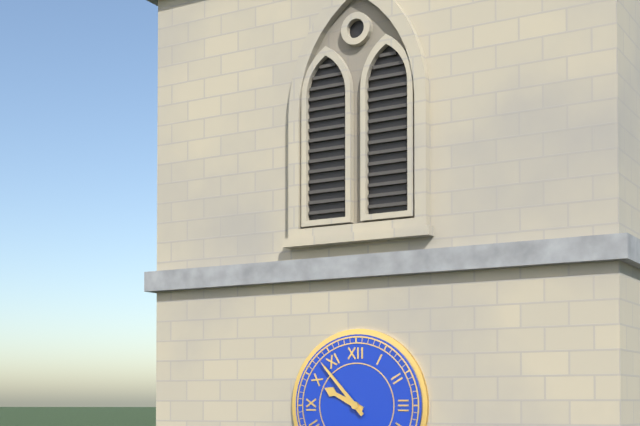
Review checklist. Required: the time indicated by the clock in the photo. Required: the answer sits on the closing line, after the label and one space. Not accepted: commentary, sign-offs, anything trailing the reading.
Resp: 9:53
